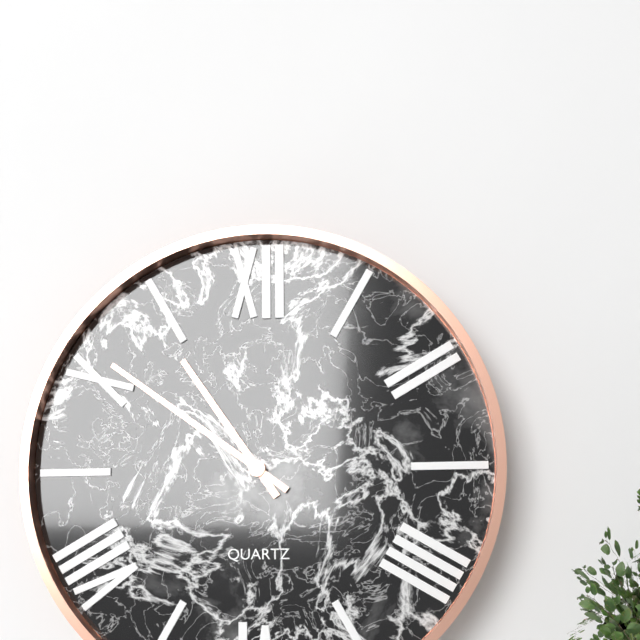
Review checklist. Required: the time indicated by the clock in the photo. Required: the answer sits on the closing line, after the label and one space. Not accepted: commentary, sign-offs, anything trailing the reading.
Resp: 10:51
